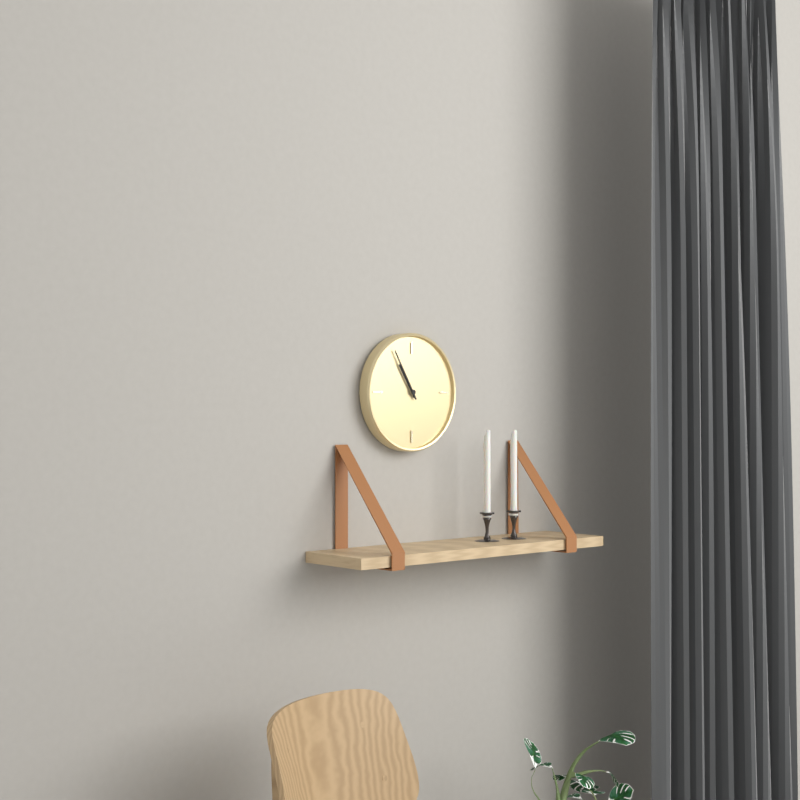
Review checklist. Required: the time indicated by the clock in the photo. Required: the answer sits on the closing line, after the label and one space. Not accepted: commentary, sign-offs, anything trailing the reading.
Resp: 10:55
